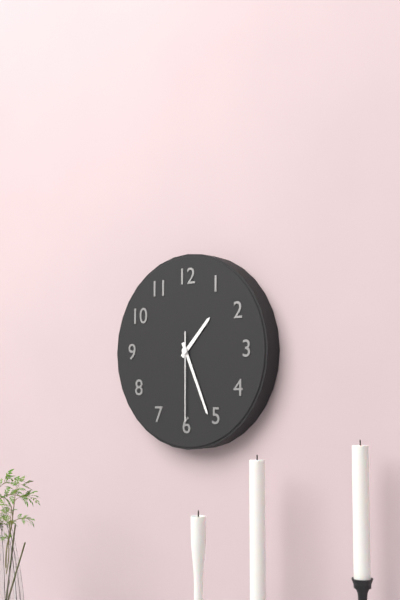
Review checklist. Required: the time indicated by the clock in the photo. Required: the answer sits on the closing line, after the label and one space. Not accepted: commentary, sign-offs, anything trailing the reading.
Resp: 1:26:30
